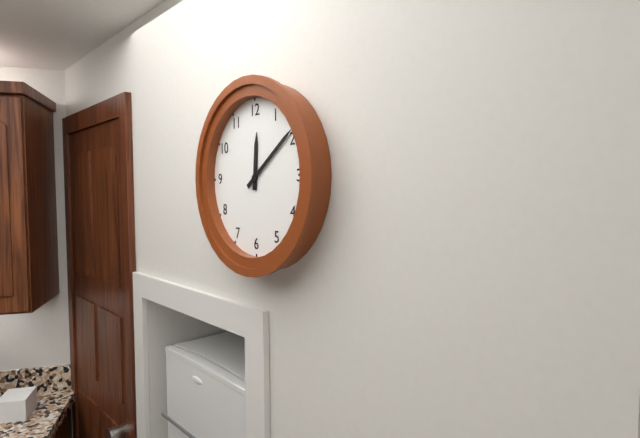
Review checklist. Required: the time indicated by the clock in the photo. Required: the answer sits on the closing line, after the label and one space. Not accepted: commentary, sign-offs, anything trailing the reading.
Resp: 12:09
